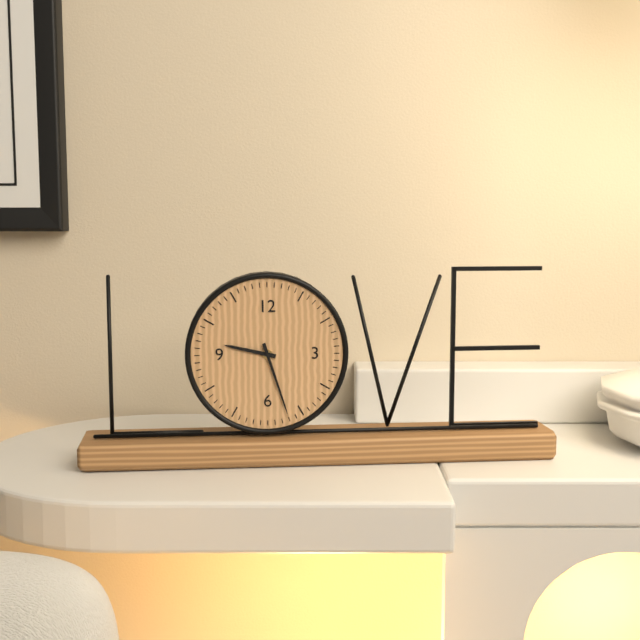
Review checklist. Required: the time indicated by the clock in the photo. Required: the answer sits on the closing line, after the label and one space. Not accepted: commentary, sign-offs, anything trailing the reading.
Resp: 9:27
